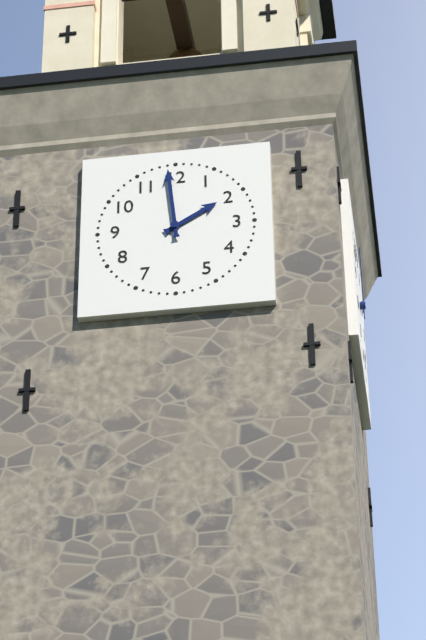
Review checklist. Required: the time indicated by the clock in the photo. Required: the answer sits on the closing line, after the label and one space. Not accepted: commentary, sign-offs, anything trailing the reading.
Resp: 1:59
